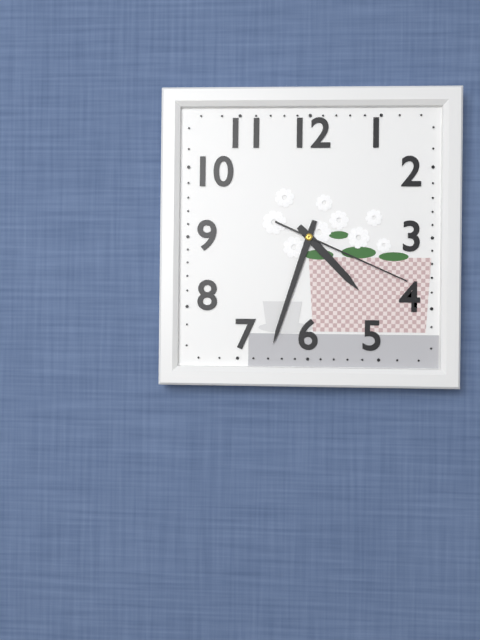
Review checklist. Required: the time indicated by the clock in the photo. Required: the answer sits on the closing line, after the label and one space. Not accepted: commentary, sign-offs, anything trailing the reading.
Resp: 4:33:19
